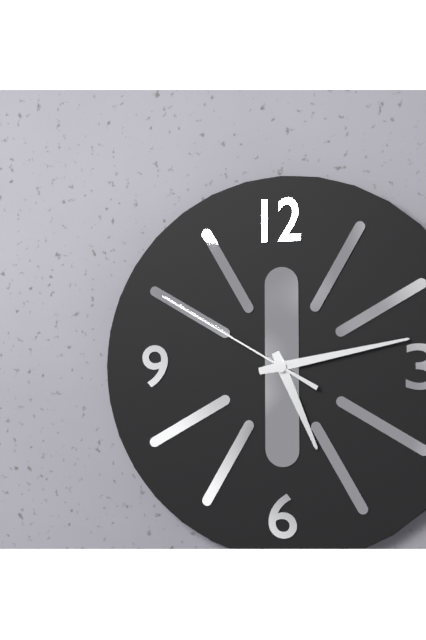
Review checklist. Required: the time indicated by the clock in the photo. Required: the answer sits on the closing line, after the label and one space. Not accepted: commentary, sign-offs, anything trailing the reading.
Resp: 5:13:50
